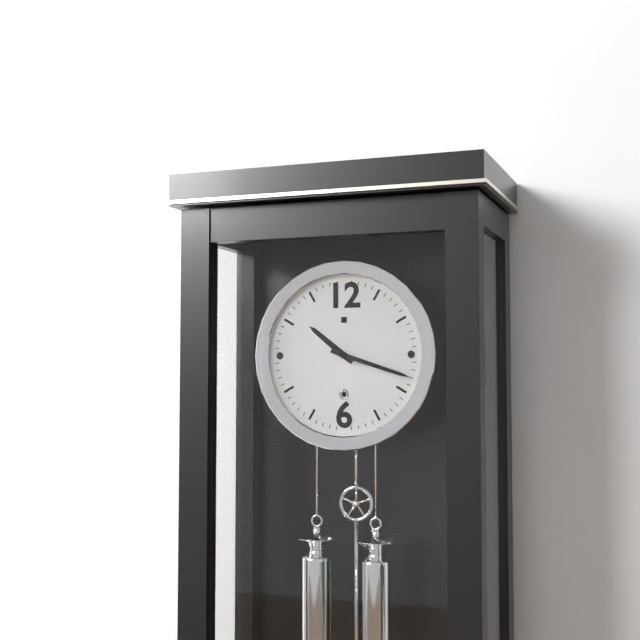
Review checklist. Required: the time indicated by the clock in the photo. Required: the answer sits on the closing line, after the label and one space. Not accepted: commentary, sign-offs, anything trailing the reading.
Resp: 10:18
